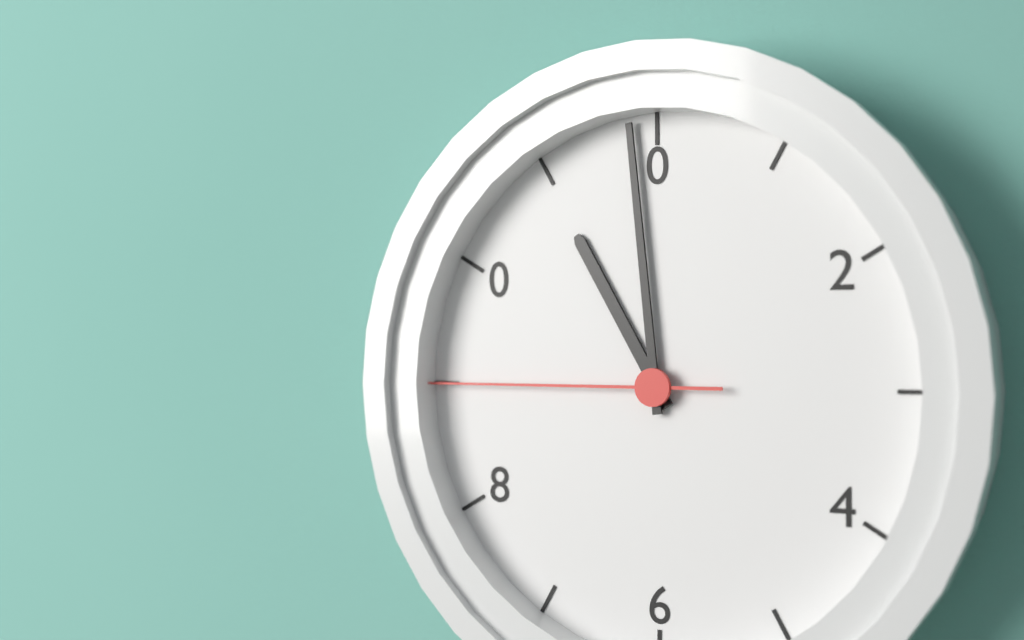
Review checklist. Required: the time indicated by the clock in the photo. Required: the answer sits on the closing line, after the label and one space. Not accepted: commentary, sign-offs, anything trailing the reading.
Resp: 10:59:45
